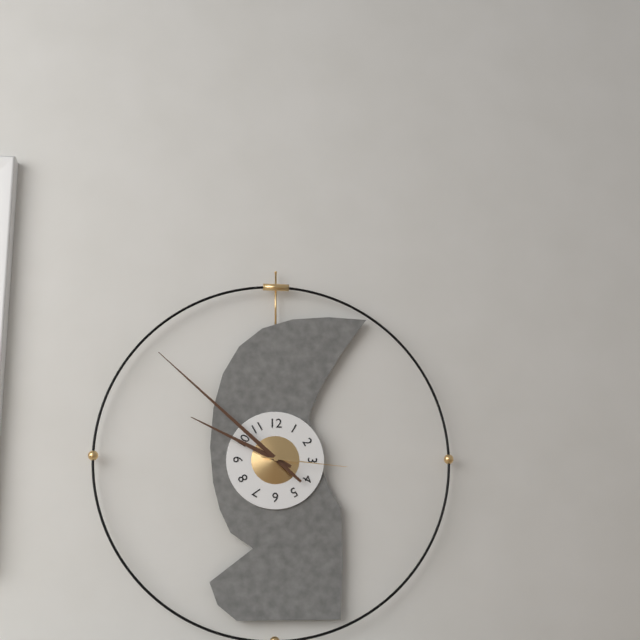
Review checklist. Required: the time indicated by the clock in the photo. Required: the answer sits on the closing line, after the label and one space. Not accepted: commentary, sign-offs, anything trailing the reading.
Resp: 9:52:16
